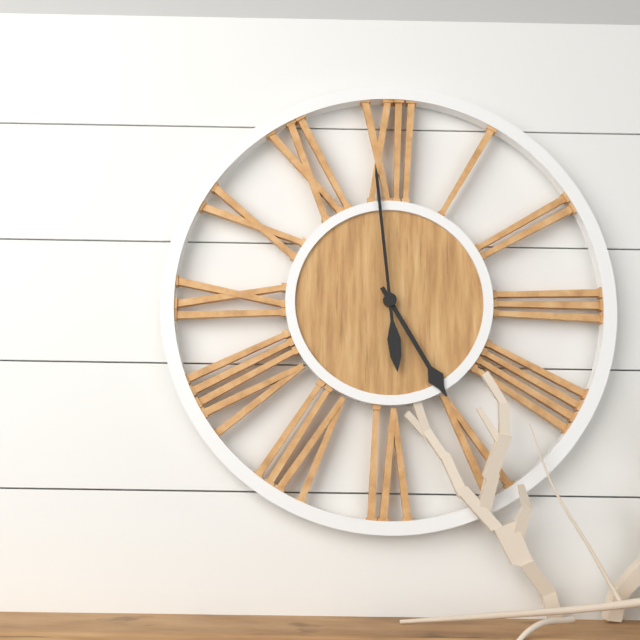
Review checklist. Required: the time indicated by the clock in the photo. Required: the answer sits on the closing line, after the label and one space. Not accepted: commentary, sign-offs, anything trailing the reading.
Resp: 4:59
